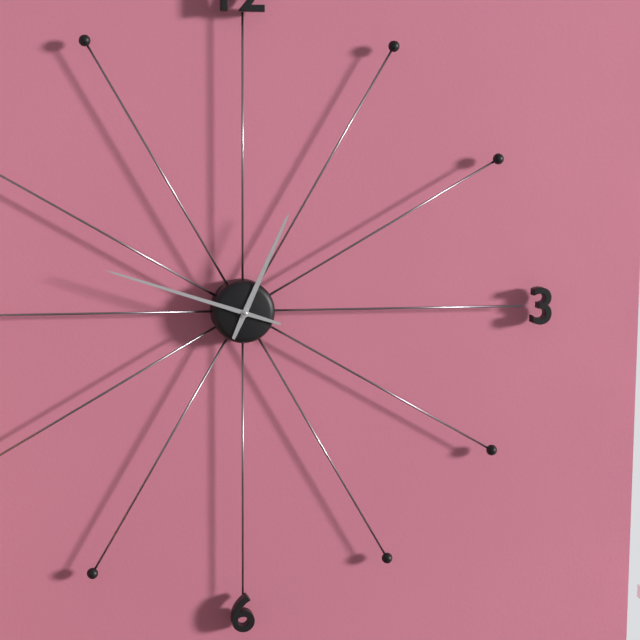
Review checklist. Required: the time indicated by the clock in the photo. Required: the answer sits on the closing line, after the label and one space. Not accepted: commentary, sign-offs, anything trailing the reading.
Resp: 12:48
